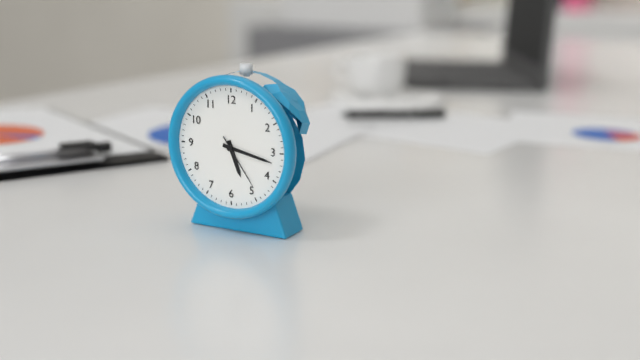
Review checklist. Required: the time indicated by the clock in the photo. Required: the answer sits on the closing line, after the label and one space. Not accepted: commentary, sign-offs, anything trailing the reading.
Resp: 5:17:24
